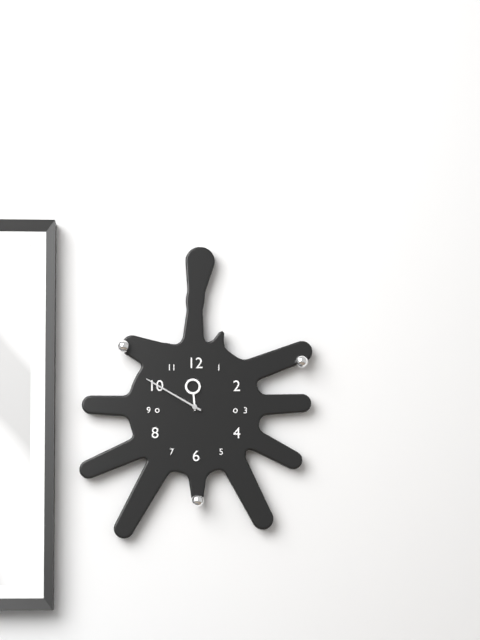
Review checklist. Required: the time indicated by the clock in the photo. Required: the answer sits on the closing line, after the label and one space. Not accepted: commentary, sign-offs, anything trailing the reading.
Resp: 11:50
